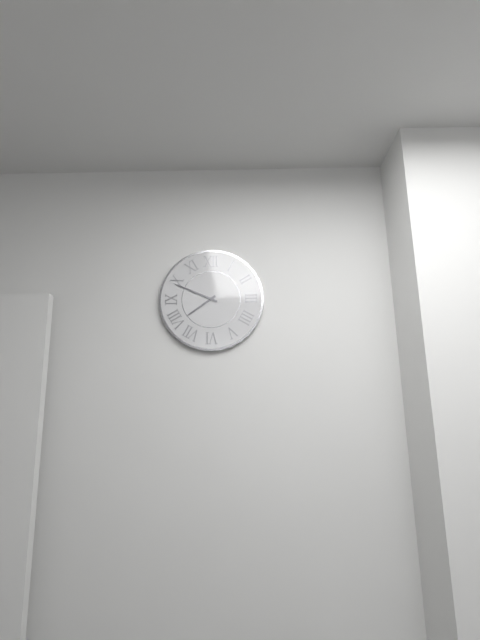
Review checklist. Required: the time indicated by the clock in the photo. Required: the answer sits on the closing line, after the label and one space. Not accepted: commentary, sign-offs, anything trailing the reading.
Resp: 7:49
